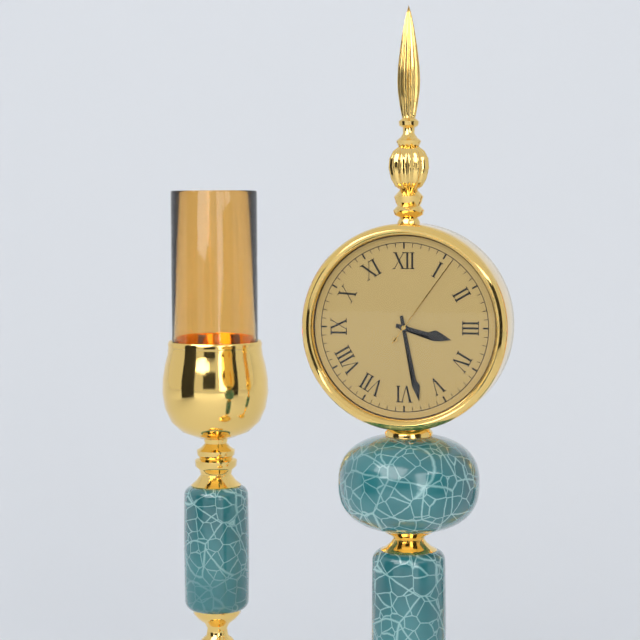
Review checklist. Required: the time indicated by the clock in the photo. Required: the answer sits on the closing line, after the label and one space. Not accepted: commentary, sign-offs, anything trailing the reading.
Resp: 3:28:06
